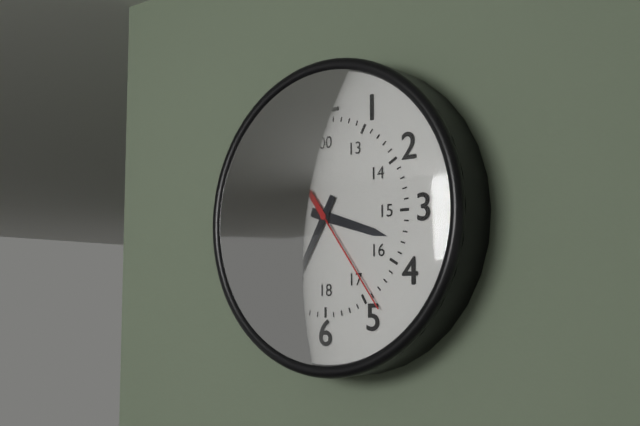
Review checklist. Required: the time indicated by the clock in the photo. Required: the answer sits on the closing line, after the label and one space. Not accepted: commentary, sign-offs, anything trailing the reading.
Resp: 3:35:24
